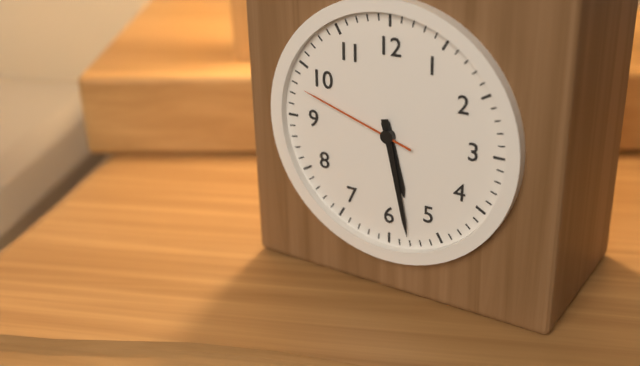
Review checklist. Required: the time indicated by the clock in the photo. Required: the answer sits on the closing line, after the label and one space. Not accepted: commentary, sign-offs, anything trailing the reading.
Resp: 5:28:48
